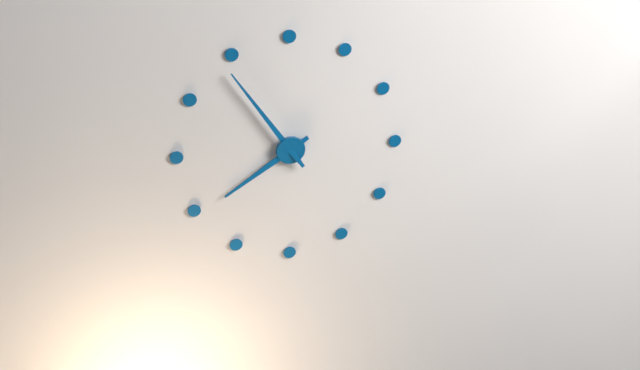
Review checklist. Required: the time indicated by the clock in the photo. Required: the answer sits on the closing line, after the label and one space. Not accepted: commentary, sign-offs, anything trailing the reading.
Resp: 7:54
